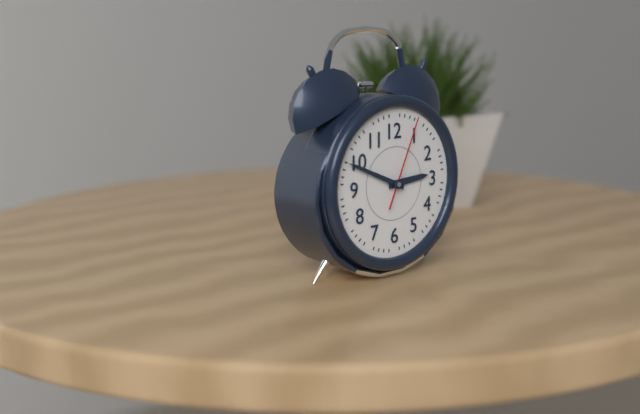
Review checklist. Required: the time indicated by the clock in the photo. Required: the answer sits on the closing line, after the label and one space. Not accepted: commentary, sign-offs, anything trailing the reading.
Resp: 2:49:04
